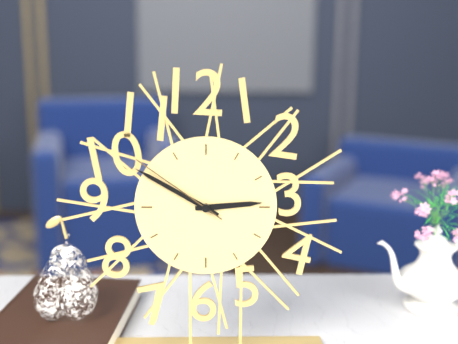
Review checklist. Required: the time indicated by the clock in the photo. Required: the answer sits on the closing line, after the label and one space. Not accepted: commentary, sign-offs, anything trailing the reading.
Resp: 2:50:51
